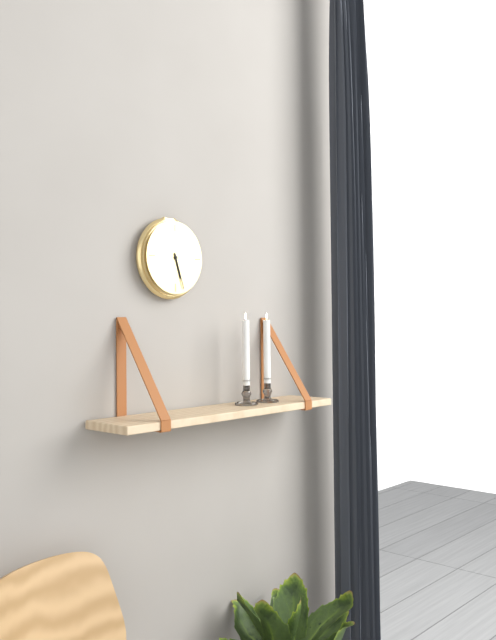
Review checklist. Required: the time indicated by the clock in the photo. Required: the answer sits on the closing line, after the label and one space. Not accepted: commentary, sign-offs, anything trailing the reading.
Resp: 5:27
